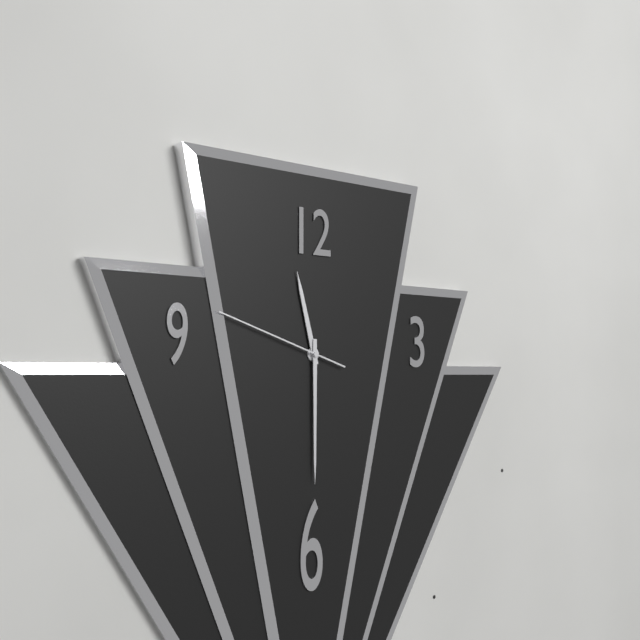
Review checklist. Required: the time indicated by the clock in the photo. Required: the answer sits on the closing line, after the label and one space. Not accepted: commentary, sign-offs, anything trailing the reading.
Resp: 11:30:48
